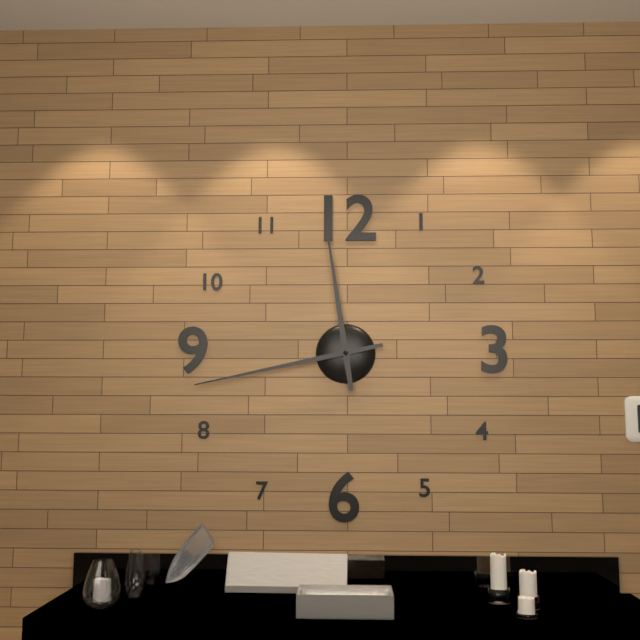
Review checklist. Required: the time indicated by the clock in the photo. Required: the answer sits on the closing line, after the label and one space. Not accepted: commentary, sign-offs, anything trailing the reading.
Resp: 11:43
